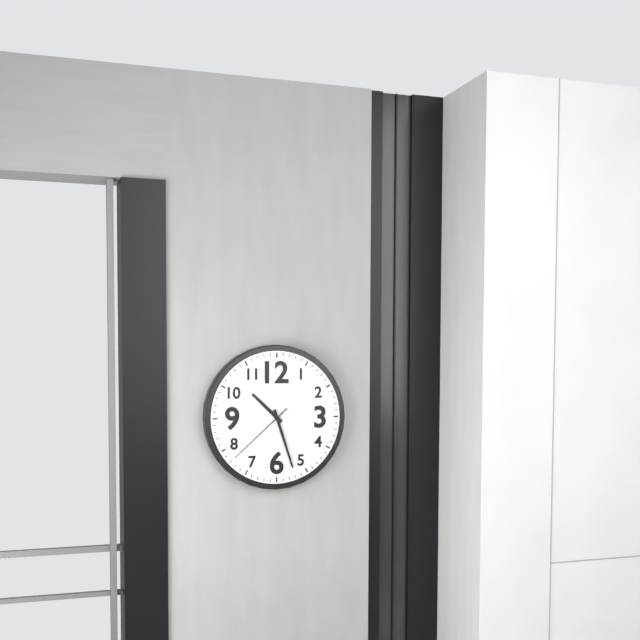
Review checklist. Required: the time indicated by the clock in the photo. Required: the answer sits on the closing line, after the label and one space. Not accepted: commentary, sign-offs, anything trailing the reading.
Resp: 10:27:38
